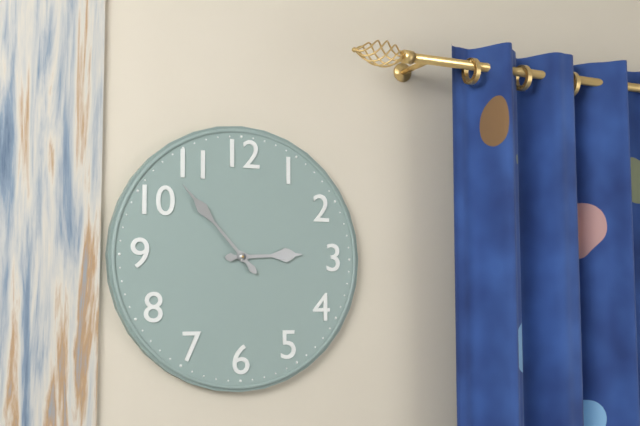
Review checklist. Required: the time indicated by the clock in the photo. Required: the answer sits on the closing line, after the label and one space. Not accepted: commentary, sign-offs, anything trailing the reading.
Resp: 2:53
